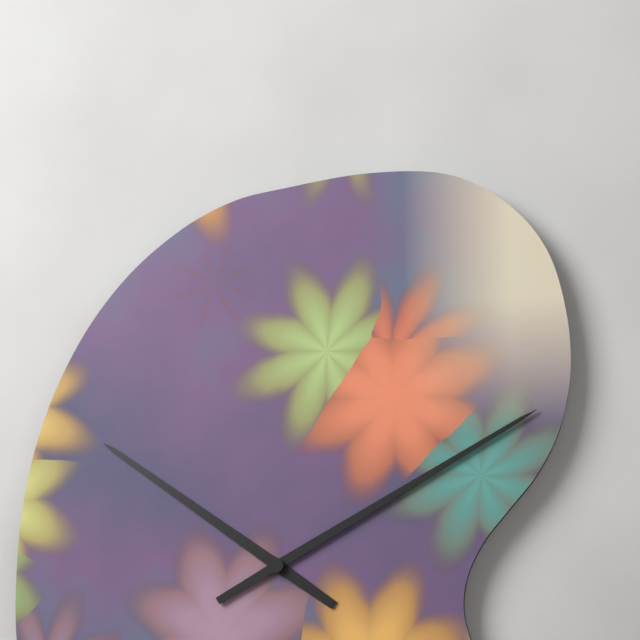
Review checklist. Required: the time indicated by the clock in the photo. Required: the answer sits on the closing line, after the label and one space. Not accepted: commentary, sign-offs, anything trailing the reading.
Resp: 10:10
